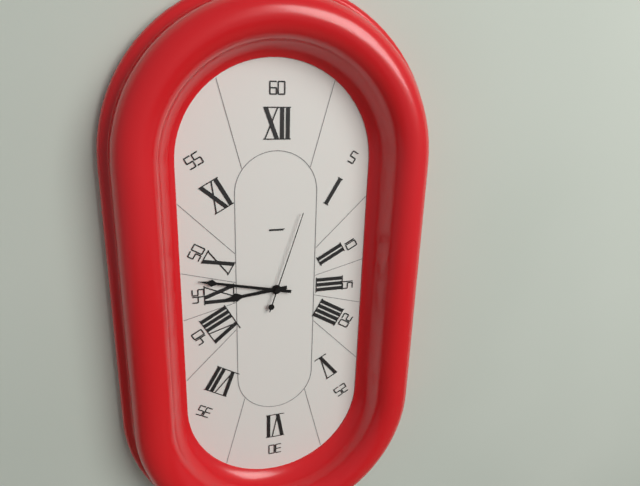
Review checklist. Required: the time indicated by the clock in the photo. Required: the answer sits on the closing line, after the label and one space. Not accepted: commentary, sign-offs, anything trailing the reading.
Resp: 8:47:03
